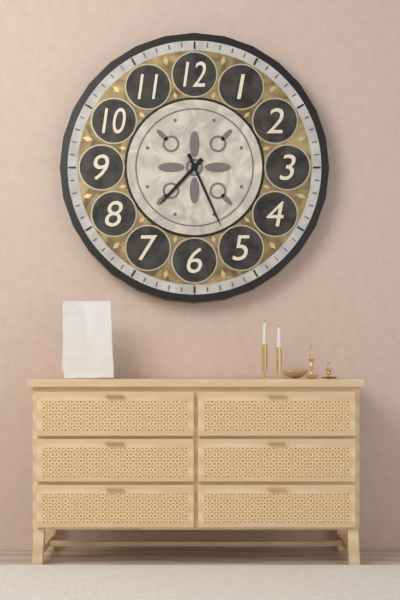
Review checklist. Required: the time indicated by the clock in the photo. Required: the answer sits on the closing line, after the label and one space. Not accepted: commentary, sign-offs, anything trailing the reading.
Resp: 7:26
